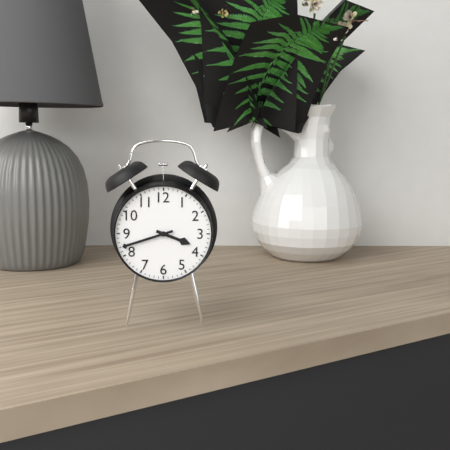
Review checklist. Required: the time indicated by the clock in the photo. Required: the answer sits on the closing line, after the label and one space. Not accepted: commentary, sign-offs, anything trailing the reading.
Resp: 3:42
